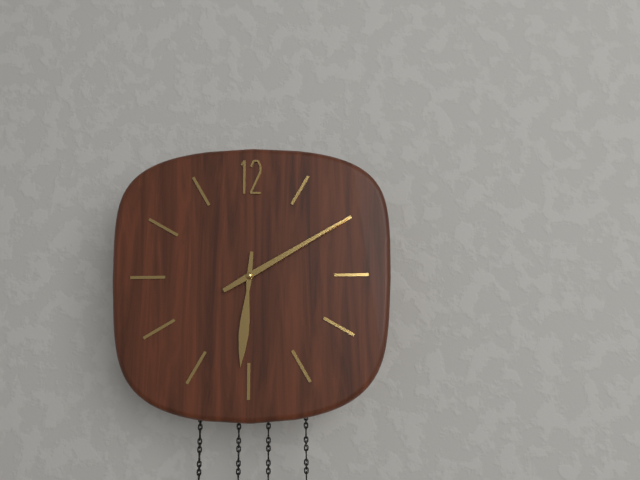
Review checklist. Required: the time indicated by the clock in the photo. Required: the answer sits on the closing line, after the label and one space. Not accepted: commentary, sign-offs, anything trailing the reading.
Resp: 6:10
